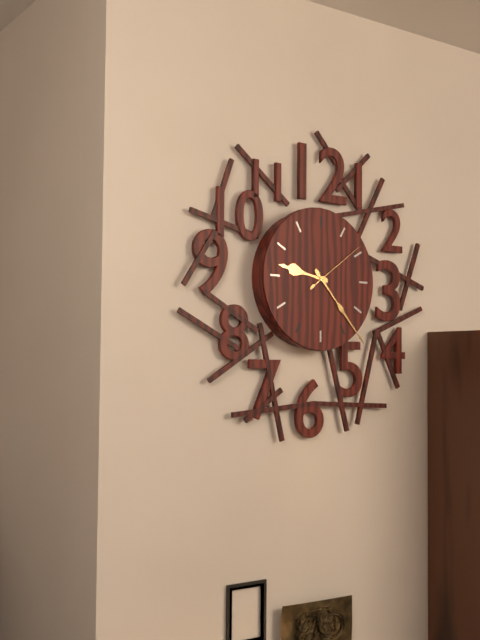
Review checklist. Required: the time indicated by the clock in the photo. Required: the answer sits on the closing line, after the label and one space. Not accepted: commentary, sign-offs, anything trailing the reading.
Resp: 9:23:09
